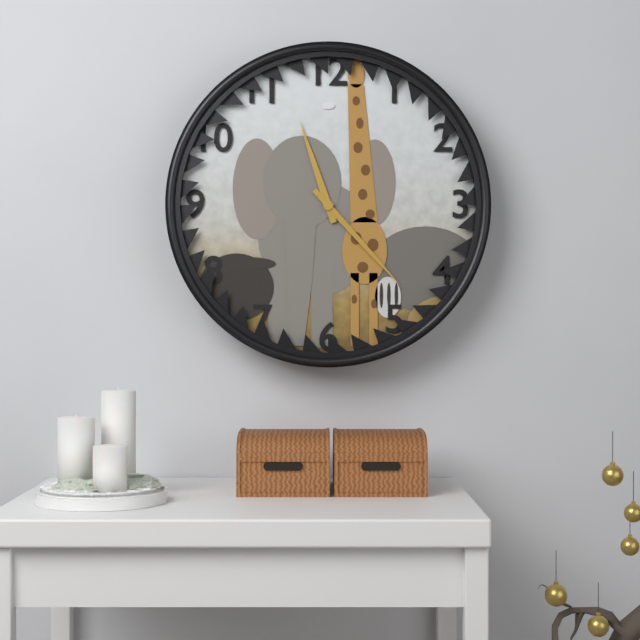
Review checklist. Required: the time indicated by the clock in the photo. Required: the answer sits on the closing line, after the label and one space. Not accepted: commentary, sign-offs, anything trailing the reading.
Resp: 11:23
